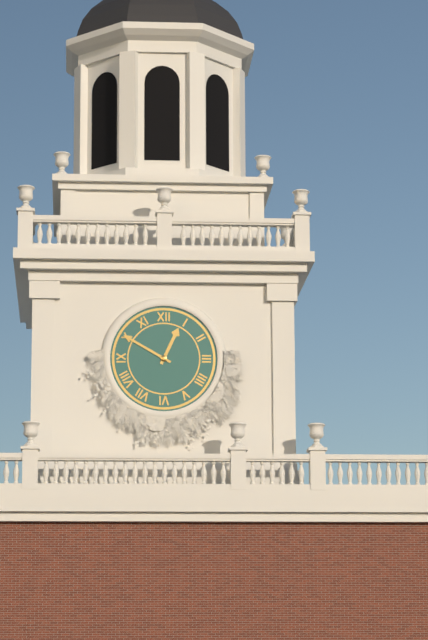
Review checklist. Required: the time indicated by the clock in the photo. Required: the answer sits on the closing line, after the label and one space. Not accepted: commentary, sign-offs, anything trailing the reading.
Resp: 12:50
